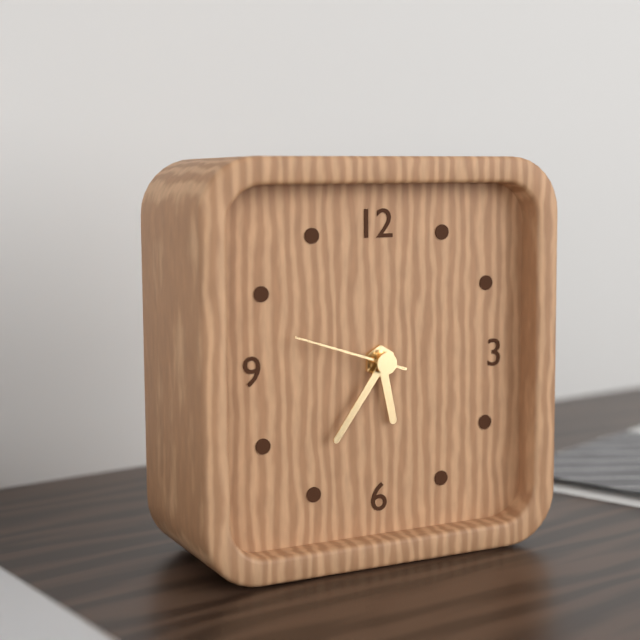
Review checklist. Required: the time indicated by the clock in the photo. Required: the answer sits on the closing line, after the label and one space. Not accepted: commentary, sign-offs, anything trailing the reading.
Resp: 5:36:48
